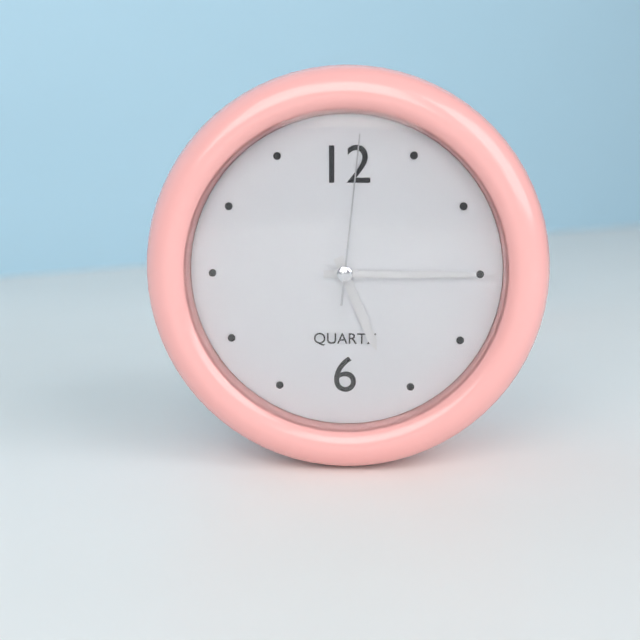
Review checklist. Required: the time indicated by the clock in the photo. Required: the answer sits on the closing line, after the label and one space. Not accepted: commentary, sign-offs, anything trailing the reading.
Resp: 5:15:01
